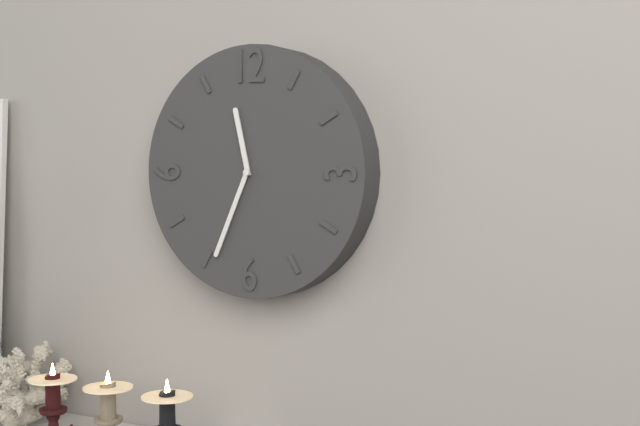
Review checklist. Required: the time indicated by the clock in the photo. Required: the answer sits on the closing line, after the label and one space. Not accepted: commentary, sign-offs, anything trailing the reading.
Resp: 11:34
